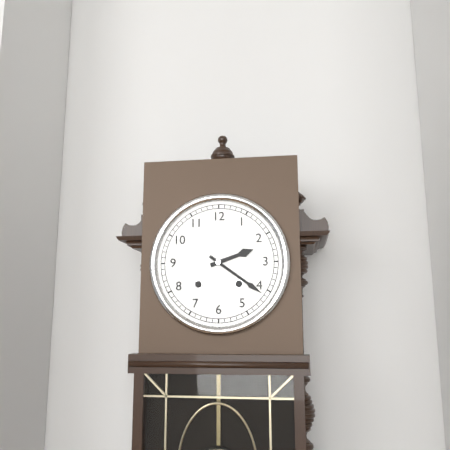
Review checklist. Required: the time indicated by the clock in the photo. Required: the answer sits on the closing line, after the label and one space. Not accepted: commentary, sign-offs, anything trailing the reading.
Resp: 2:21
